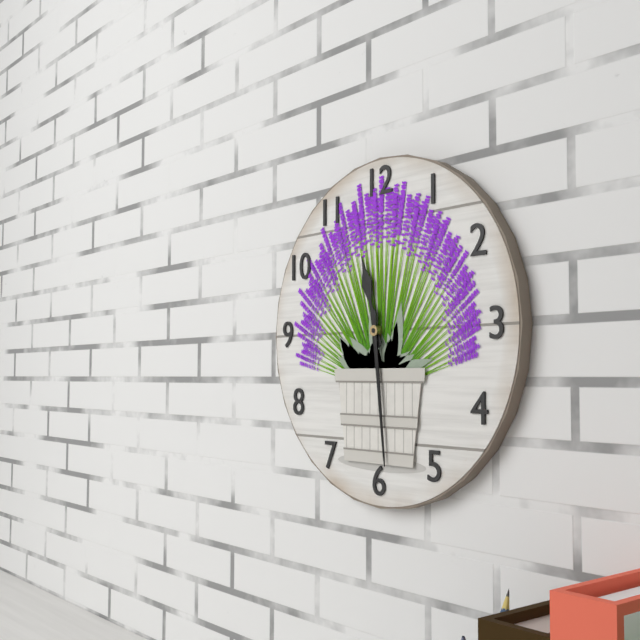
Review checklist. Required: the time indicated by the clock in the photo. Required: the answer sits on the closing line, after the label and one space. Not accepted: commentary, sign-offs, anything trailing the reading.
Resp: 11:29
